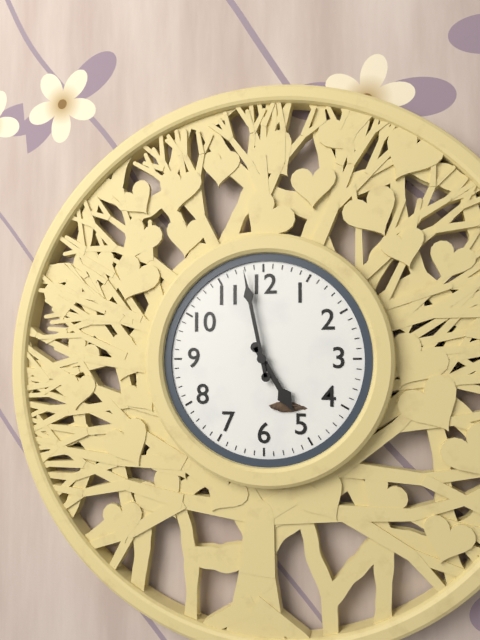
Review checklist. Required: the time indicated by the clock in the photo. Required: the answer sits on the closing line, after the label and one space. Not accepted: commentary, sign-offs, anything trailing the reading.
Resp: 4:58
